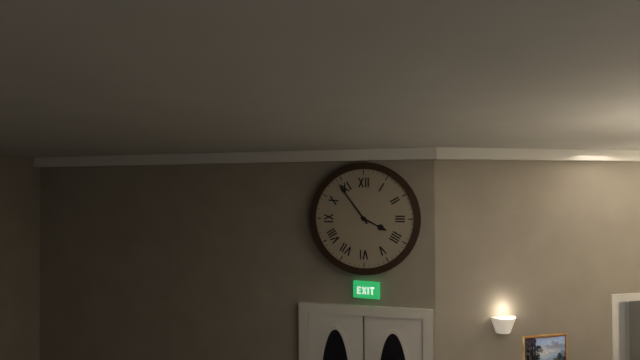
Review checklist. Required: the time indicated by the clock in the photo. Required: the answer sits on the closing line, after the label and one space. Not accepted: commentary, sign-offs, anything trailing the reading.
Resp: 3:54
